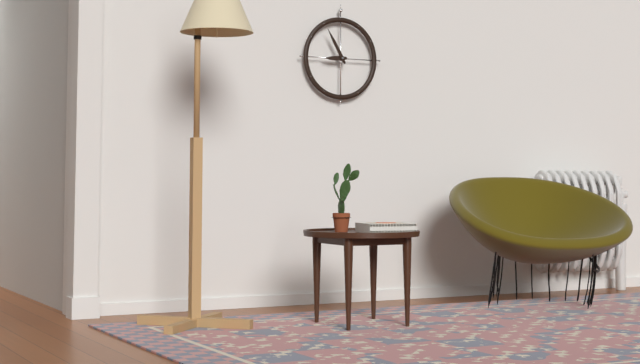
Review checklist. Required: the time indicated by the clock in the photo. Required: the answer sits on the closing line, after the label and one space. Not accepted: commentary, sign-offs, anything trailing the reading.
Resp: 8:55
